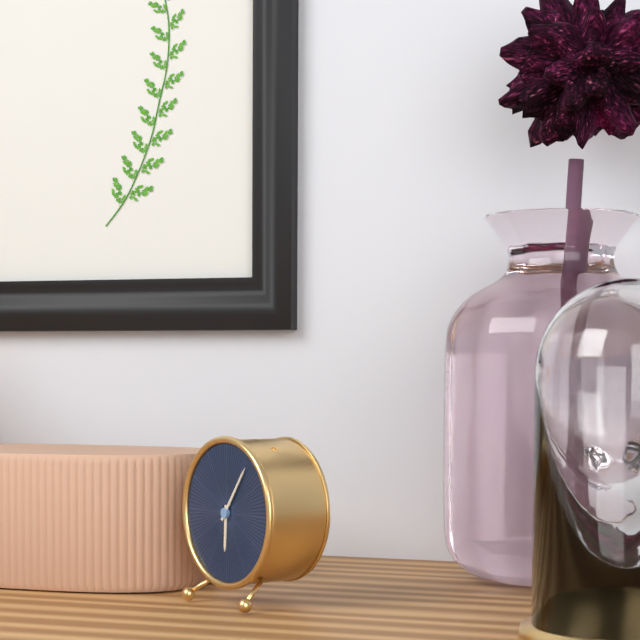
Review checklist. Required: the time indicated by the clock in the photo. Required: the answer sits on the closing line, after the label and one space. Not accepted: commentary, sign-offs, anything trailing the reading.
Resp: 6:06
